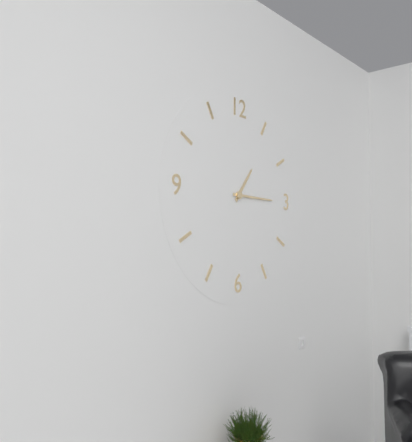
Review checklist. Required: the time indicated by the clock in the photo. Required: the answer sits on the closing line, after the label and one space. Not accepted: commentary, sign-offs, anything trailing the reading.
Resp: 1:15
